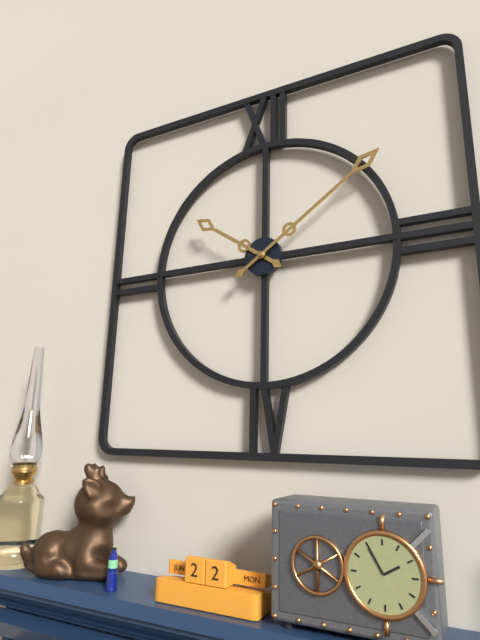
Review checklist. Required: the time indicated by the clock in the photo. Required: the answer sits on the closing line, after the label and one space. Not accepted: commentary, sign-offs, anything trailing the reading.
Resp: 10:09
